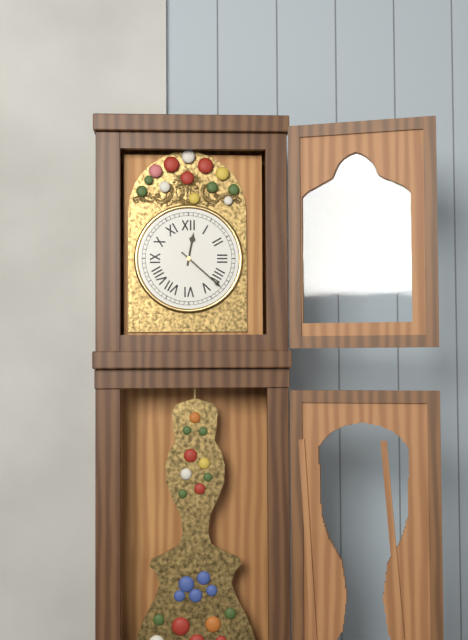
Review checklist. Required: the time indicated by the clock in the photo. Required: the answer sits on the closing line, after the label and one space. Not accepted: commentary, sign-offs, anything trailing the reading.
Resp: 12:22
